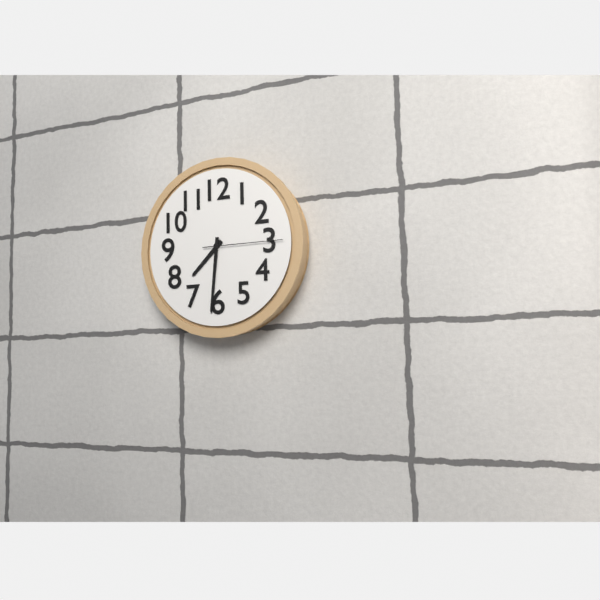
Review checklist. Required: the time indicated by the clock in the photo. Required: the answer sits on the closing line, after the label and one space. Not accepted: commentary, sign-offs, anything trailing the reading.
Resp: 7:31:15
